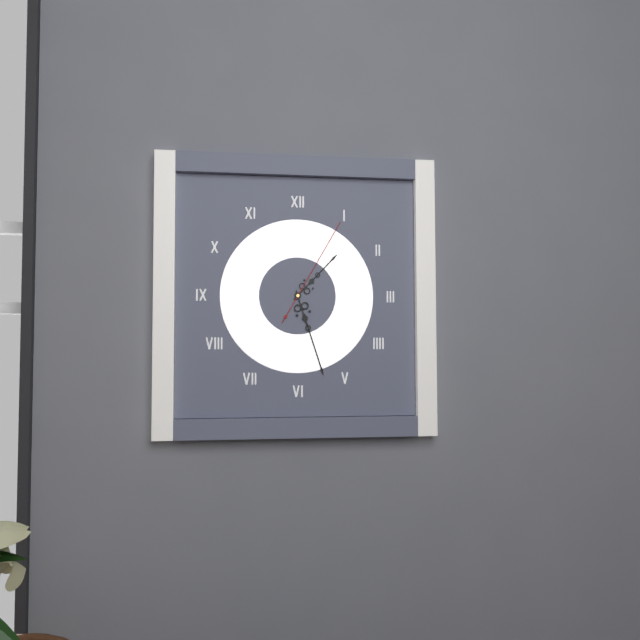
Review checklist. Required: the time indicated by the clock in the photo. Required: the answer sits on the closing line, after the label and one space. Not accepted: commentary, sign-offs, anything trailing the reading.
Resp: 1:27:05
